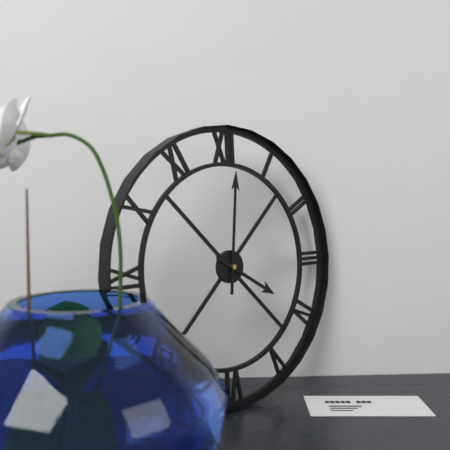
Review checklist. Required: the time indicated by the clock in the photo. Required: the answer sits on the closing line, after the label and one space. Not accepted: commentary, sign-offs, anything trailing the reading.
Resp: 4:01
